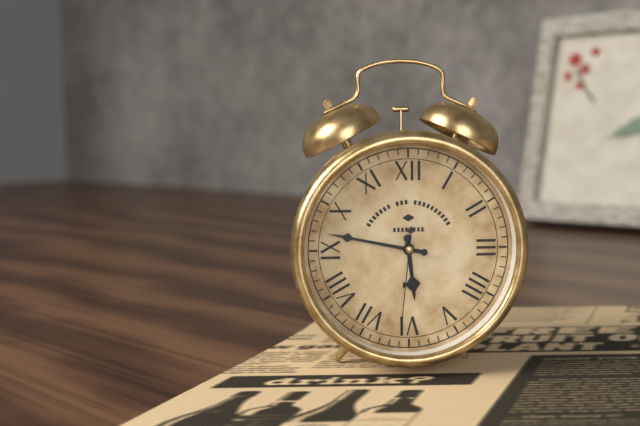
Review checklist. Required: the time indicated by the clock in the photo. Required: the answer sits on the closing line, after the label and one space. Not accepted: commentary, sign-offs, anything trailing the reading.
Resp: 5:47:31
